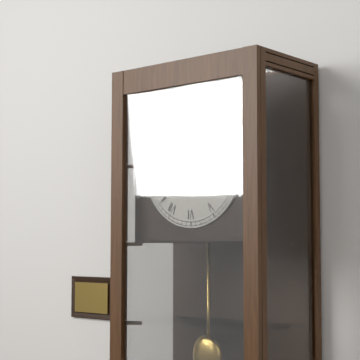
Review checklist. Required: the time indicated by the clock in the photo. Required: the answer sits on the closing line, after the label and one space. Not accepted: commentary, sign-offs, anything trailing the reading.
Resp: 2:38
